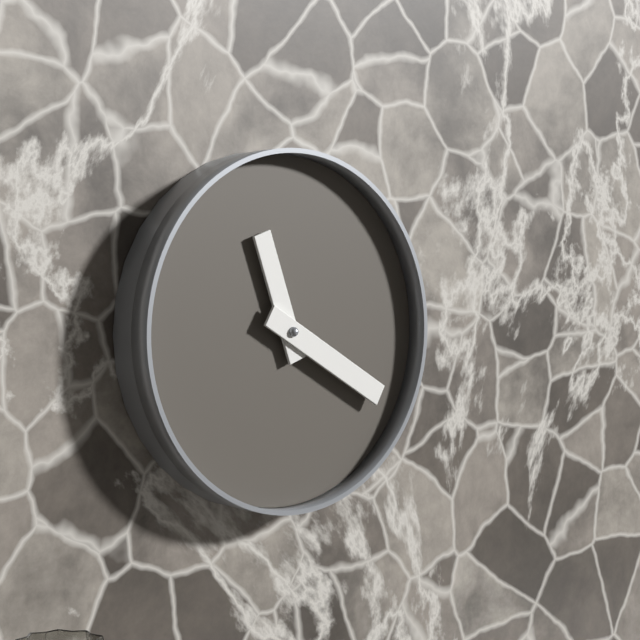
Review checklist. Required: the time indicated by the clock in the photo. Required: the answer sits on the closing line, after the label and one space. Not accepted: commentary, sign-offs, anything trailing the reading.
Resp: 11:20
